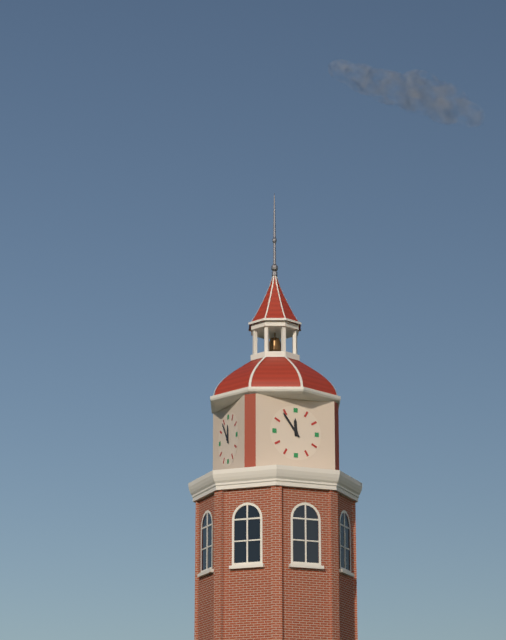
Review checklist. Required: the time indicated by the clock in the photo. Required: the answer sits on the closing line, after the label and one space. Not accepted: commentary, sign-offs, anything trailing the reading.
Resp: 11:54
